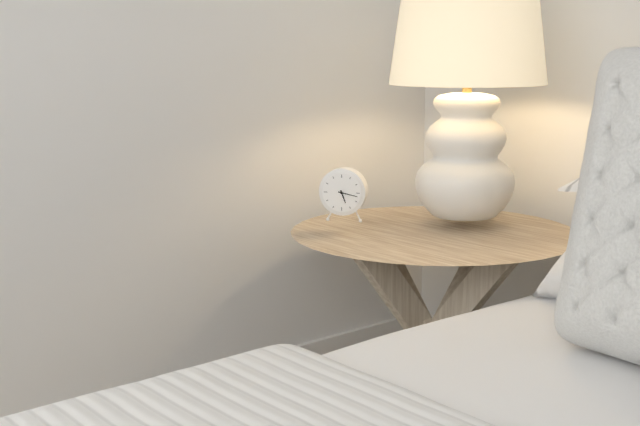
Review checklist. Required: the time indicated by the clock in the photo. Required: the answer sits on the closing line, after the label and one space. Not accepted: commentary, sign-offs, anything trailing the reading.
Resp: 5:17
